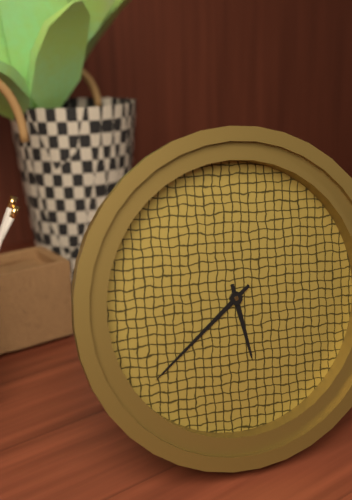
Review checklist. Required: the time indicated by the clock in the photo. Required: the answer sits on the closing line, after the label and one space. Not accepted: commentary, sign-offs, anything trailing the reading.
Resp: 5:39
